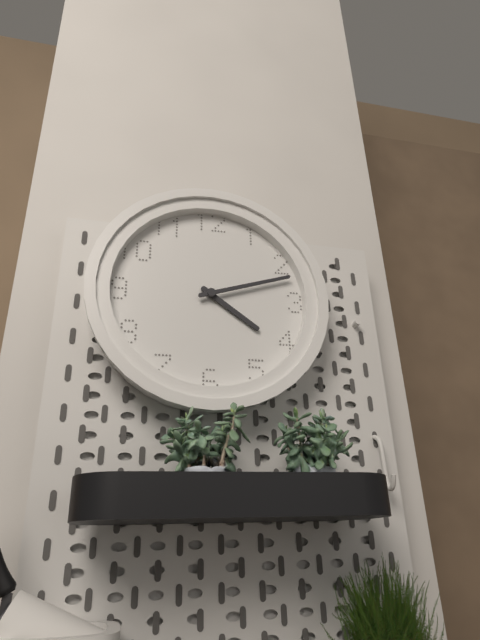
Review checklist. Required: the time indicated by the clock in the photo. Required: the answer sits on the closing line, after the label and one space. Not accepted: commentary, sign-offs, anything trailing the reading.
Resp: 4:12
